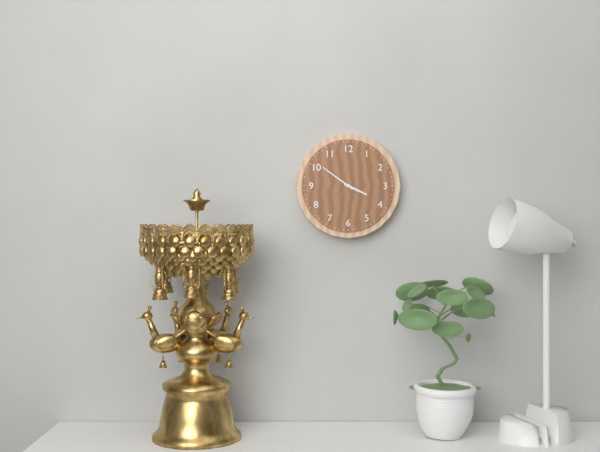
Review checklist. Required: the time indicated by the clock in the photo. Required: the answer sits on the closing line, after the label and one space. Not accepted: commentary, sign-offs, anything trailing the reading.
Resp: 3:51
